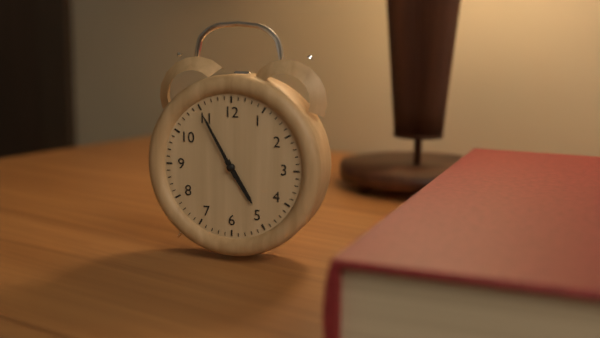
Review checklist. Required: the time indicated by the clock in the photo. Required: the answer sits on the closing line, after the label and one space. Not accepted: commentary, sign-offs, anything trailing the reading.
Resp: 4:55
